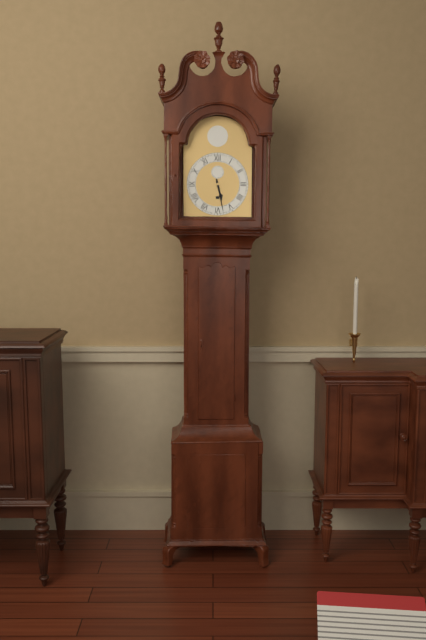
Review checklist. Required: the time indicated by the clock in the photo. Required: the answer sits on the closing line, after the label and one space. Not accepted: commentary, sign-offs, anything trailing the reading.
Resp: 5:28
